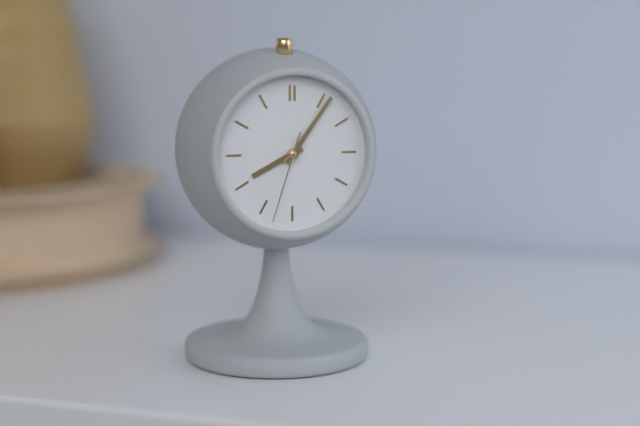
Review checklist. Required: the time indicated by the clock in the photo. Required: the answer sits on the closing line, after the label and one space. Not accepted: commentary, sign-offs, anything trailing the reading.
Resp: 8:06:33
